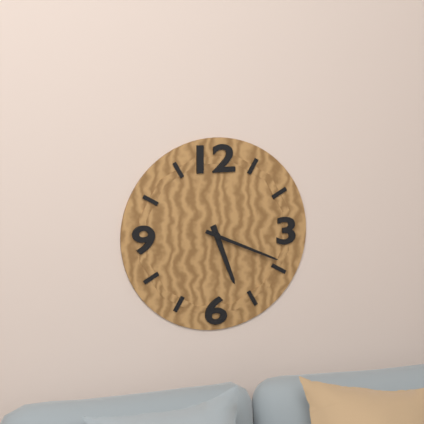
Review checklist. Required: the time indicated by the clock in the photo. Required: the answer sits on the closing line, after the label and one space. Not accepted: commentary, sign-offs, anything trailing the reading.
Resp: 5:19
